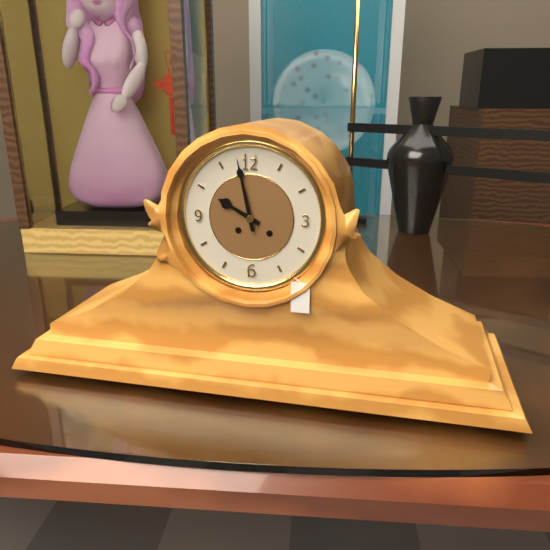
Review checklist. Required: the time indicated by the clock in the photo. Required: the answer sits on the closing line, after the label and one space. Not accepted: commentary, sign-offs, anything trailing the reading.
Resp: 9:58
